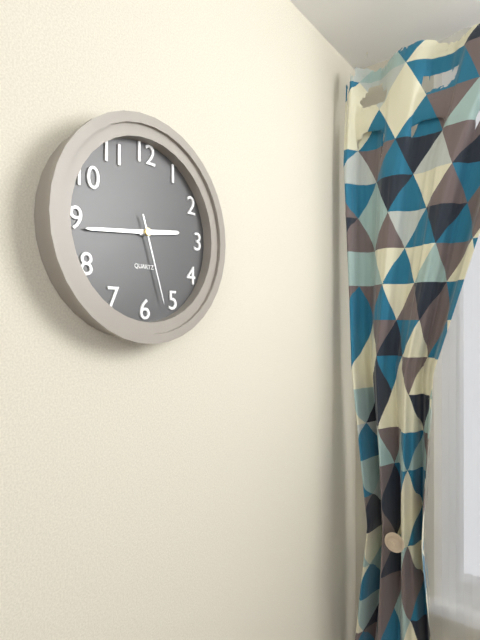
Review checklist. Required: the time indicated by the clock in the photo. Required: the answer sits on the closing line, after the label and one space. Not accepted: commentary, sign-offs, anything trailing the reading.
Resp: 2:44:27
